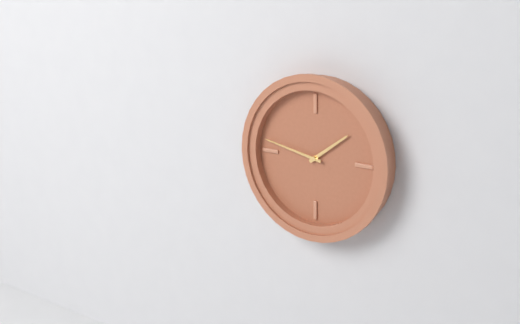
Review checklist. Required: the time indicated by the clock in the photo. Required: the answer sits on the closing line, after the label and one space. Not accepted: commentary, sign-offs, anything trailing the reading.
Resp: 1:47
